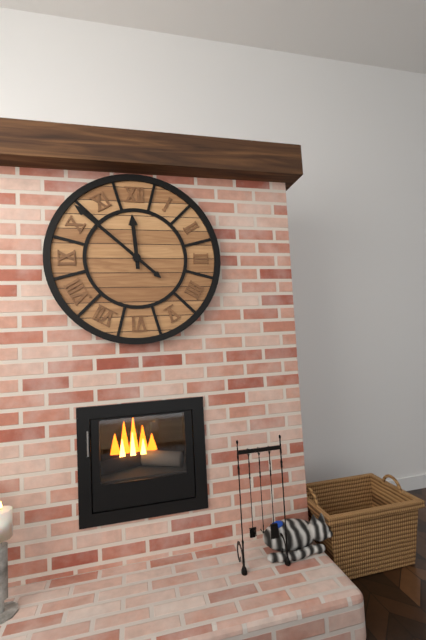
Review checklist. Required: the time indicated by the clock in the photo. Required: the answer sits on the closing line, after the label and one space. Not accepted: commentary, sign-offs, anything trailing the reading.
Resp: 11:52
